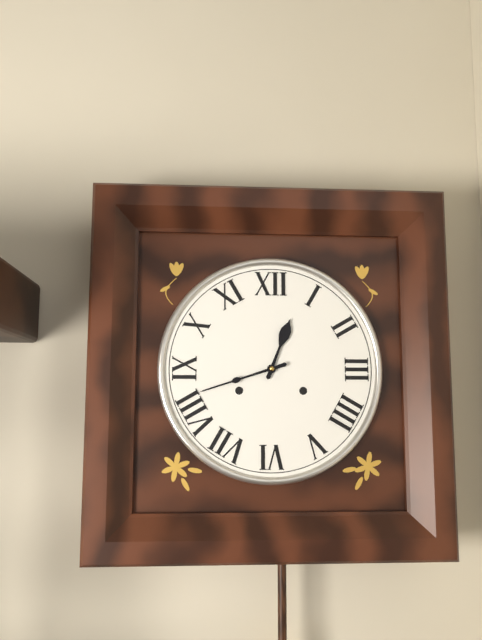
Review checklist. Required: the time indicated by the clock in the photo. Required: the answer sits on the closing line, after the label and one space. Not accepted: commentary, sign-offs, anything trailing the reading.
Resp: 12:42
